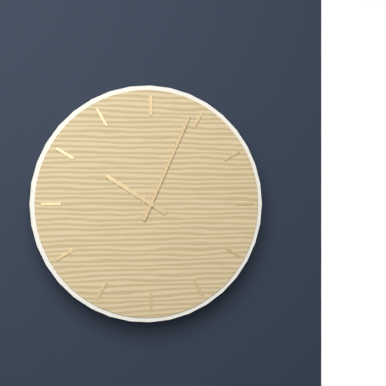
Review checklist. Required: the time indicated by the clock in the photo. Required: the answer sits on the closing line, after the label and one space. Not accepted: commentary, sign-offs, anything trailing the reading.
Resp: 10:04
